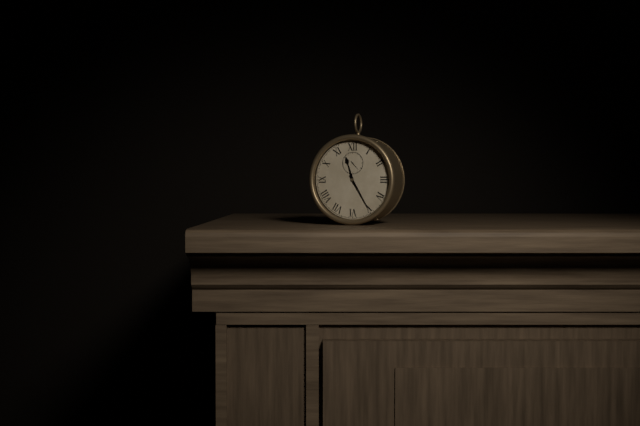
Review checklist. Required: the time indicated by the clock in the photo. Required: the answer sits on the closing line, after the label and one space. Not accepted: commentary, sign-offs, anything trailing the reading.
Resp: 11:25
